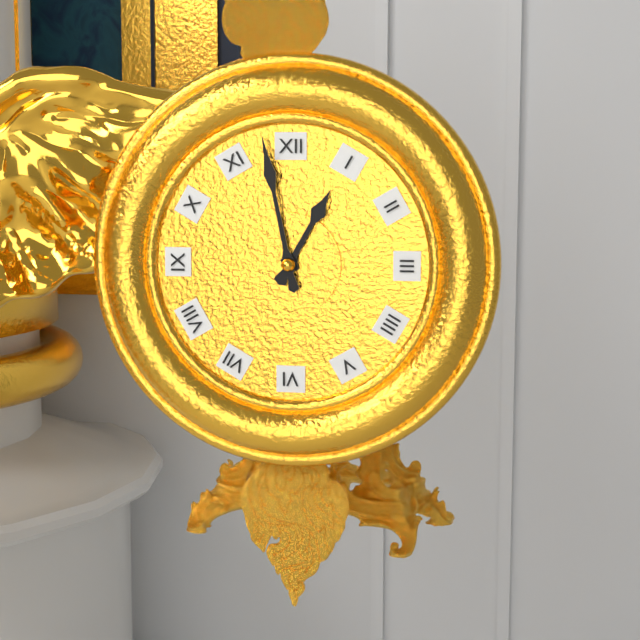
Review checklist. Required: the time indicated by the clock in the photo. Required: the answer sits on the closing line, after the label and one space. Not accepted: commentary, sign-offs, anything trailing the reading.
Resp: 12:58
